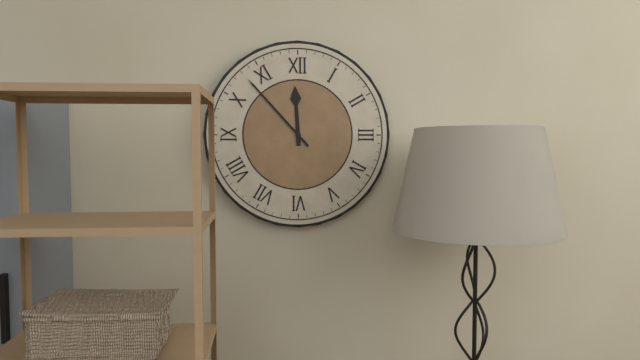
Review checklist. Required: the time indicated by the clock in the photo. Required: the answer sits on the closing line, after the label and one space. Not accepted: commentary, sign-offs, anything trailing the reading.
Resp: 11:53
